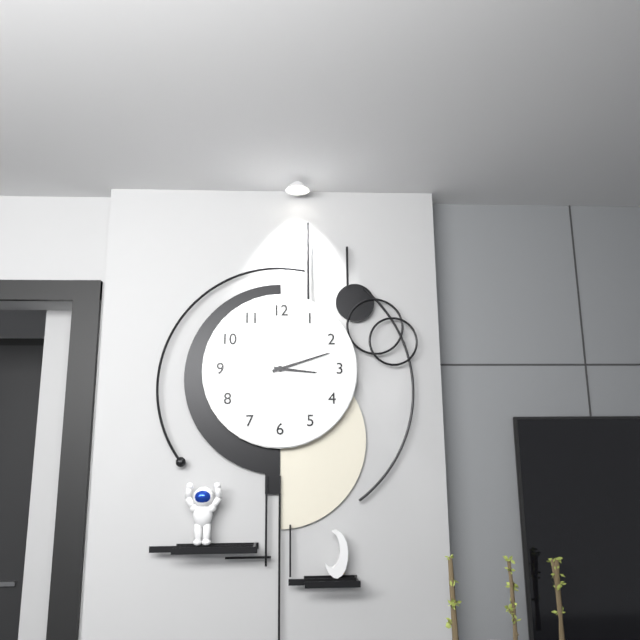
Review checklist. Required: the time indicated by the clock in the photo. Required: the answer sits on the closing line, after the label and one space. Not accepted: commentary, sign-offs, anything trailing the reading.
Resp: 3:12
